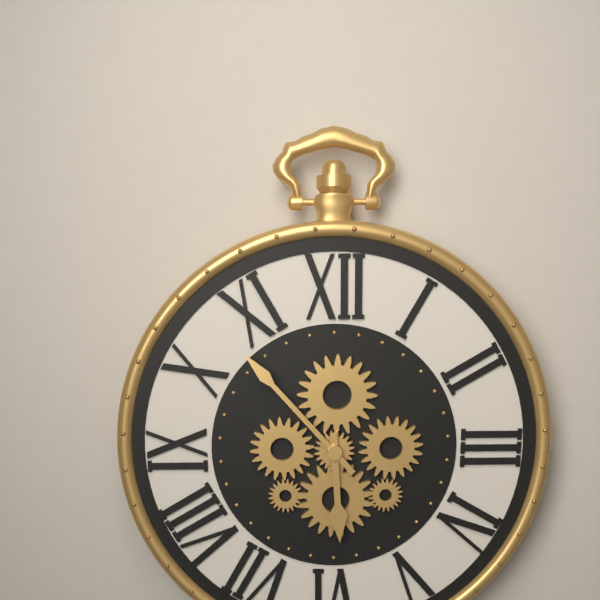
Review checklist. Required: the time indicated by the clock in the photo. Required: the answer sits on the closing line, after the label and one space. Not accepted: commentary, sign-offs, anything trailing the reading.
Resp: 5:53
